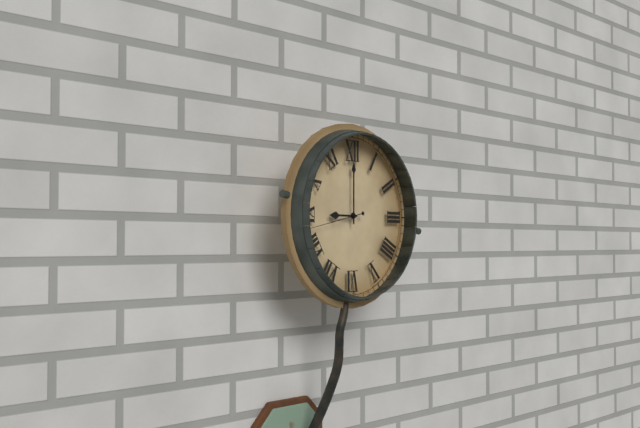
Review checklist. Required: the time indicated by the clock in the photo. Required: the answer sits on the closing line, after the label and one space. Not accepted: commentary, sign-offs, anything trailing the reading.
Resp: 9:00:43
